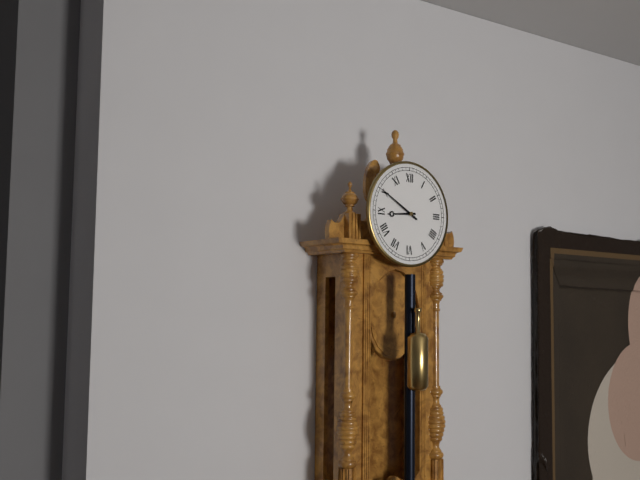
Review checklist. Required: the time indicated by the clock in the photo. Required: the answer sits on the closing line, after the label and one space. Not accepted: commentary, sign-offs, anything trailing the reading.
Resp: 8:50
